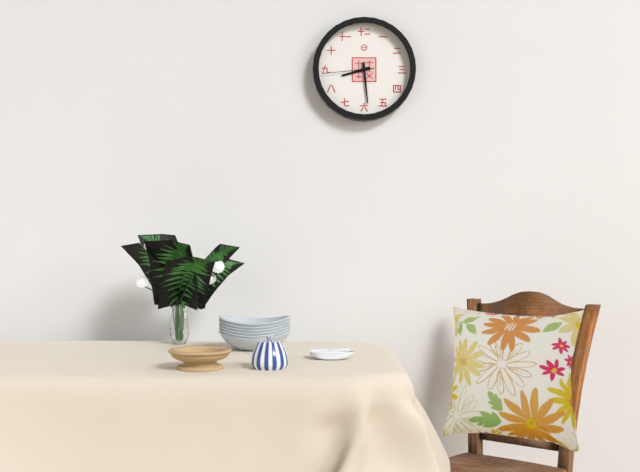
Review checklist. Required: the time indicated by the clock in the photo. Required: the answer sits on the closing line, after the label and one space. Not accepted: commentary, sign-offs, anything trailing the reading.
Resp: 8:29:44
